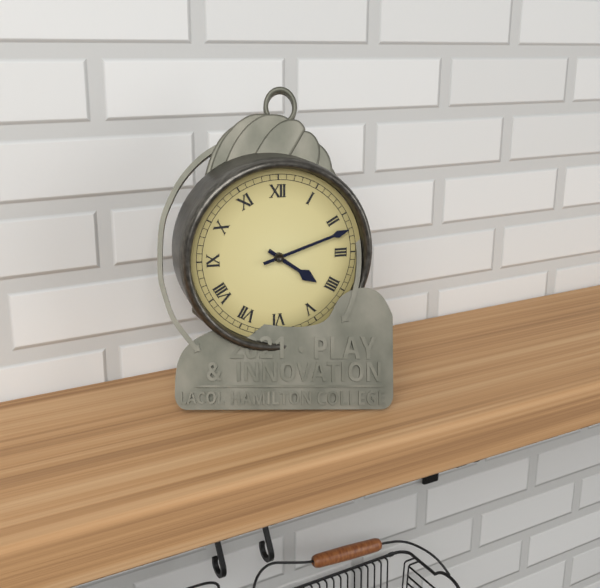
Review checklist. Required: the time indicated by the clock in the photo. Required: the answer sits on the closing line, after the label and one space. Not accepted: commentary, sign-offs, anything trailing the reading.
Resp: 4:12
